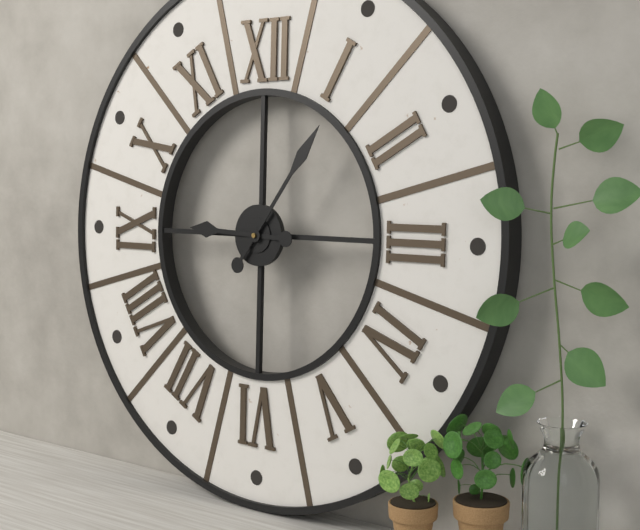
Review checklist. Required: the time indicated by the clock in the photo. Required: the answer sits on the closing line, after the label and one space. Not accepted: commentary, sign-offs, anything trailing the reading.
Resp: 9:06
